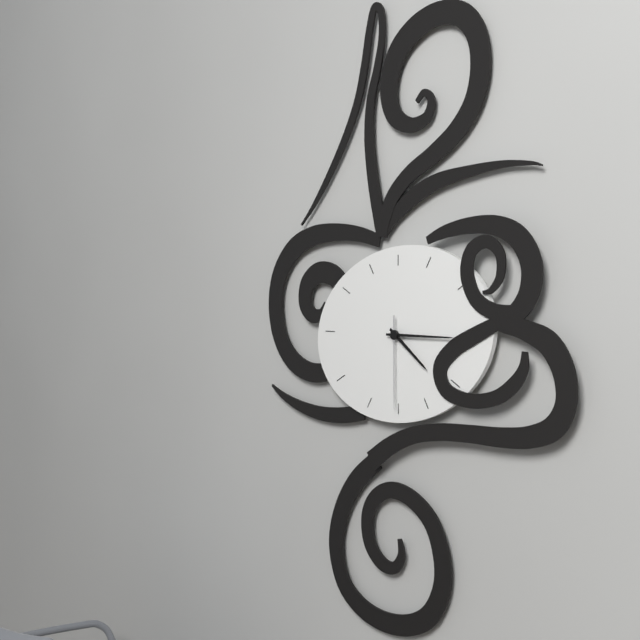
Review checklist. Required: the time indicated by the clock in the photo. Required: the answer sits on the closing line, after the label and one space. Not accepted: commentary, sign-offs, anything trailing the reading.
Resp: 4:15:30
